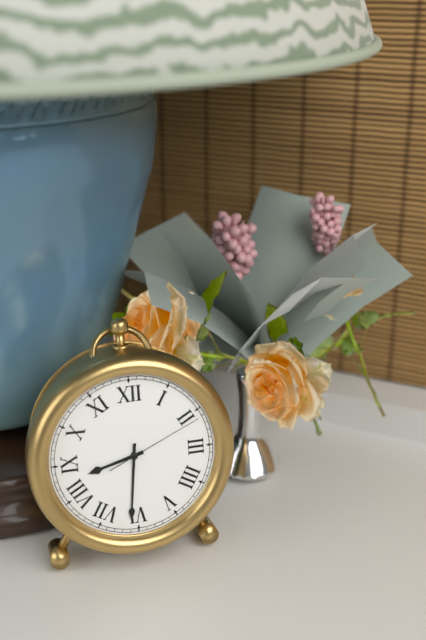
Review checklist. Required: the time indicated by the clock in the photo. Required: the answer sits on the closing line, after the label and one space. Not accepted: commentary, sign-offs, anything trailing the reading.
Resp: 8:31:11
